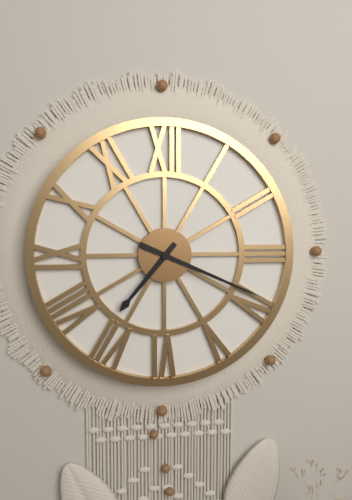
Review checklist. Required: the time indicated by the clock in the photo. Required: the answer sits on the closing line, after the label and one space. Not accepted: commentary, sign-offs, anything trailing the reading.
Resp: 7:19
